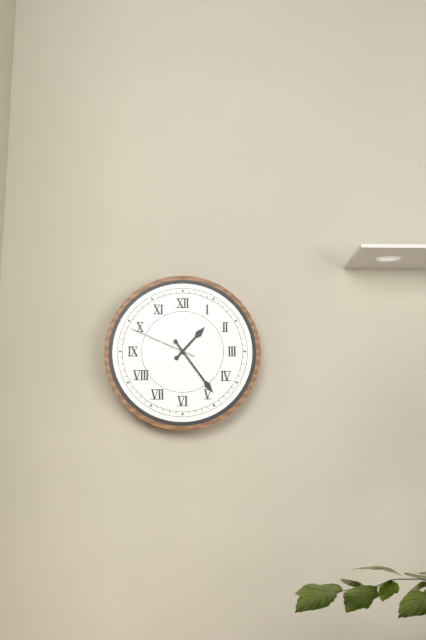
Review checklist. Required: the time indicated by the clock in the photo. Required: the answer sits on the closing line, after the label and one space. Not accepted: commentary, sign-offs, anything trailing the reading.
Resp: 1:24:49
